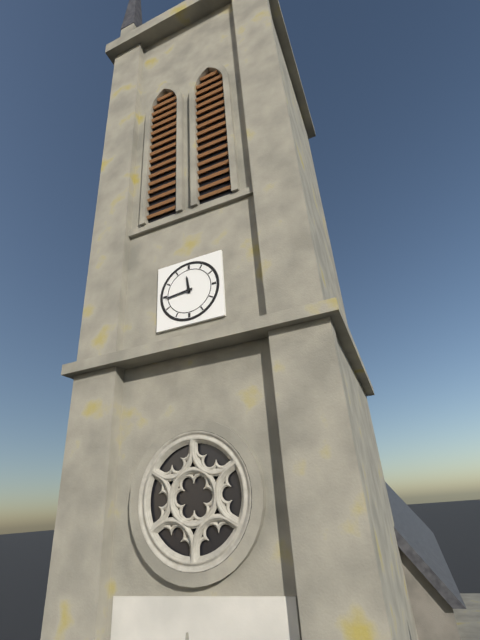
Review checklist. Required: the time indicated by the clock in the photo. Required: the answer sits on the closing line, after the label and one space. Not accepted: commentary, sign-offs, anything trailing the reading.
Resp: 11:44
